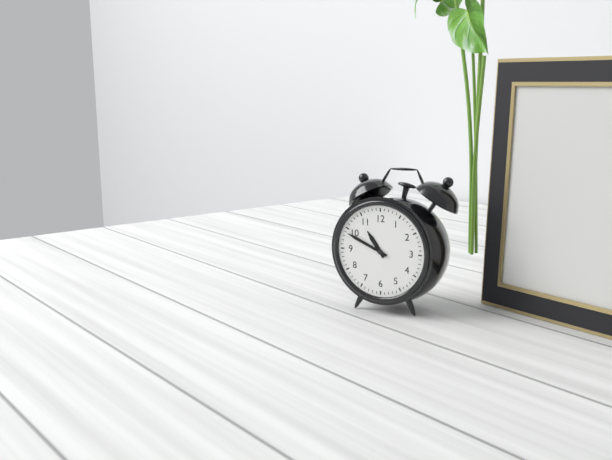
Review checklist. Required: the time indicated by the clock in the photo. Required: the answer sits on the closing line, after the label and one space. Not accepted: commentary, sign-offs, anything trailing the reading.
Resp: 10:49
